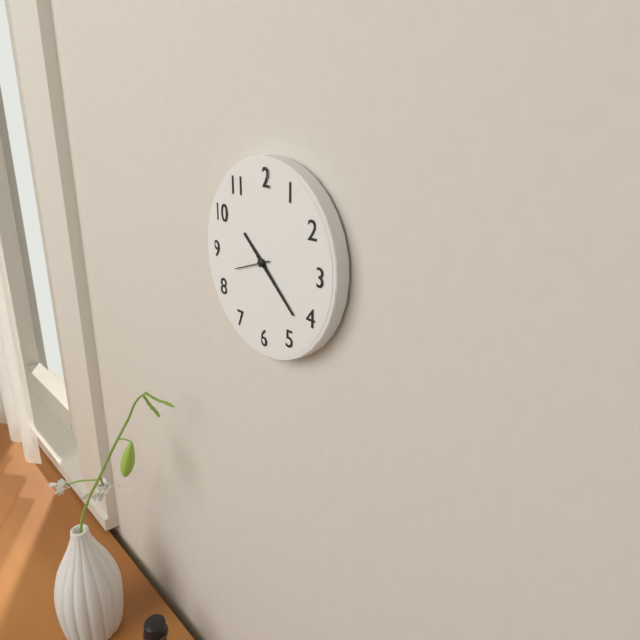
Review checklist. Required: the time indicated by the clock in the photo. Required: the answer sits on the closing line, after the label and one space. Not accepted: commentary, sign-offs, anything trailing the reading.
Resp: 10:22
